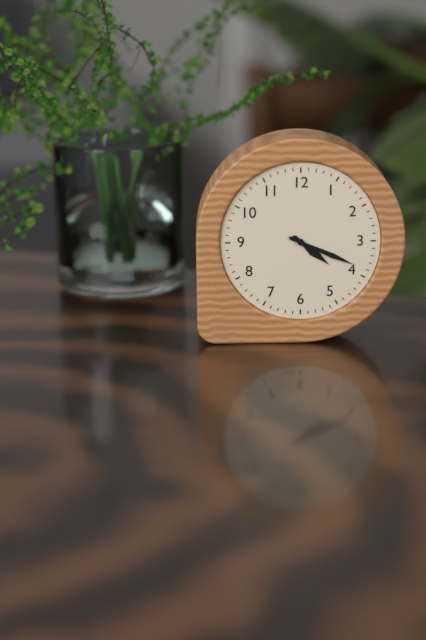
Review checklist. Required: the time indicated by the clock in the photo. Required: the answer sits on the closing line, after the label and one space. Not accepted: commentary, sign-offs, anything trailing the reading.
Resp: 4:19
